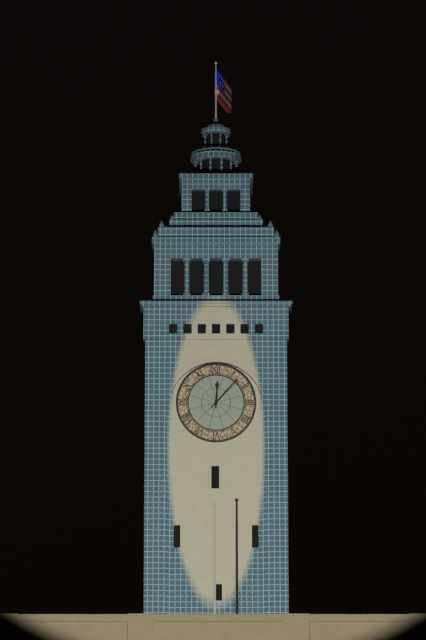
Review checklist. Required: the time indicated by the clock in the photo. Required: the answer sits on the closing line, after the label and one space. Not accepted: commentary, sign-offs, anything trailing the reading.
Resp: 12:07
